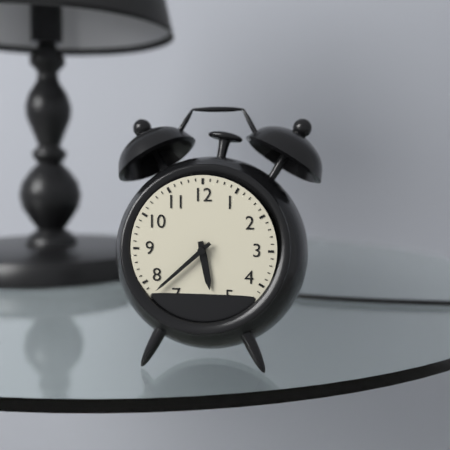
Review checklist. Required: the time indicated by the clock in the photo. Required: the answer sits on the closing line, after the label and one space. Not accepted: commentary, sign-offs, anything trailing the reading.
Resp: 5:38
